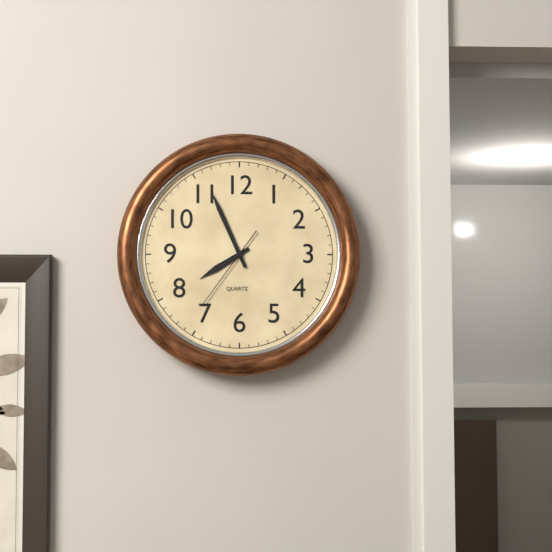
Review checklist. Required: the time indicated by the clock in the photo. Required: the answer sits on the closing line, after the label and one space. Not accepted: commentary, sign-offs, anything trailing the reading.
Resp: 7:56:36
